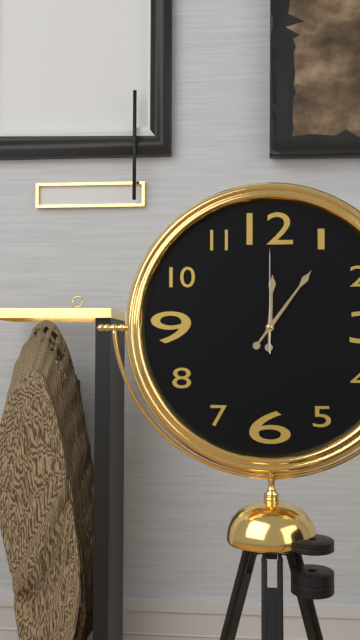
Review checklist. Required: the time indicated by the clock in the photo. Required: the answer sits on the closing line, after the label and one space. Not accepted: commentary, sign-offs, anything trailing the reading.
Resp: 12:06:00
